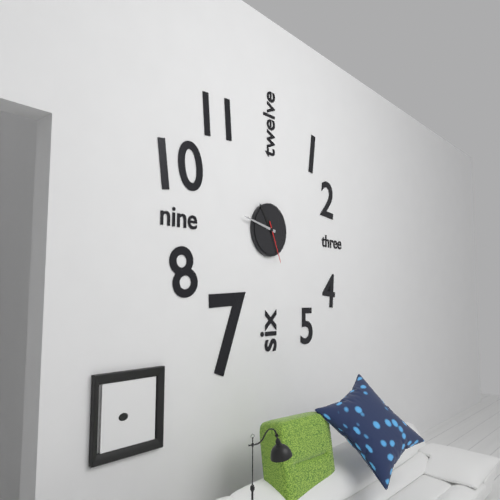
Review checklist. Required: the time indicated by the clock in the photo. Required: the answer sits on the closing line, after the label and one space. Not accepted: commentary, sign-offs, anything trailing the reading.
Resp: 10:47
